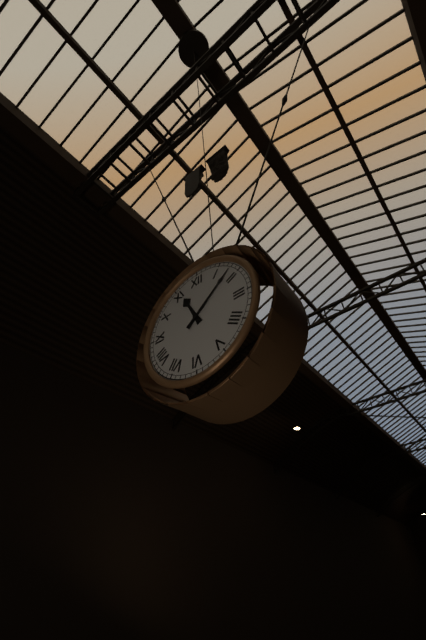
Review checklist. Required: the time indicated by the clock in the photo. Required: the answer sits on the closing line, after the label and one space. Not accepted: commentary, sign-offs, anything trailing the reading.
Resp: 11:08
